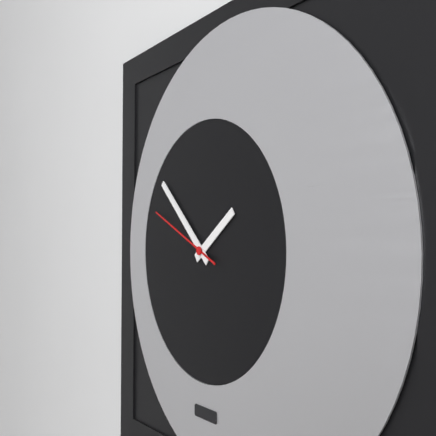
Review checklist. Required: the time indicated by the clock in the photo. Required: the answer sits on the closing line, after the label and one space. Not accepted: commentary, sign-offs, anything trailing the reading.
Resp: 1:52:49
